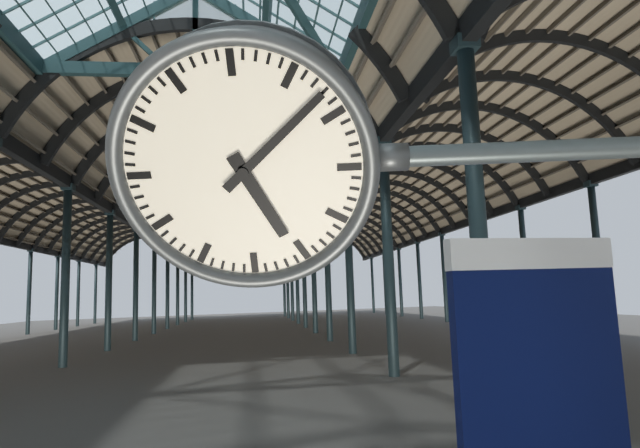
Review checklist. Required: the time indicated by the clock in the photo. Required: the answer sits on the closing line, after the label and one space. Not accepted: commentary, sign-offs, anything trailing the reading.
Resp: 5:08
